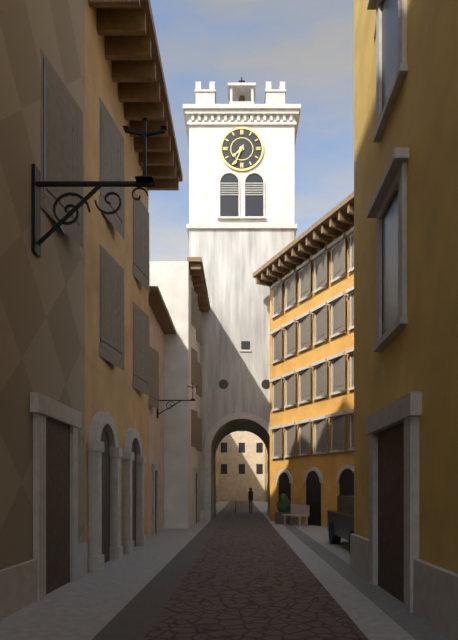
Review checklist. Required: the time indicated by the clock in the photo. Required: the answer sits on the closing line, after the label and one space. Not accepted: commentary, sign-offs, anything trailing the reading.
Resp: 7:34
